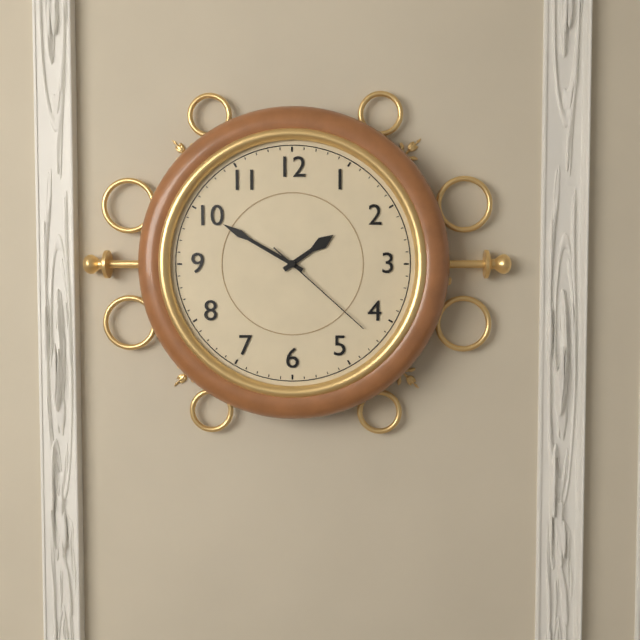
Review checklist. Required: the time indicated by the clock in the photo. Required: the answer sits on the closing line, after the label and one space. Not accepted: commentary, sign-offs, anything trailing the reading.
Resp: 1:50:22
